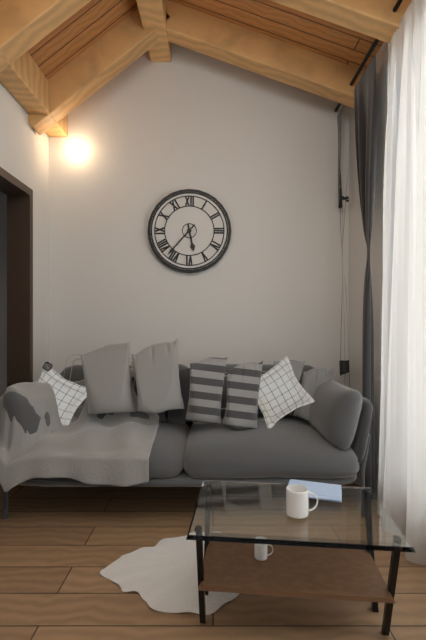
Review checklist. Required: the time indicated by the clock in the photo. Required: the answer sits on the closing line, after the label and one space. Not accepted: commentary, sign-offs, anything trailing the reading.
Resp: 5:37
